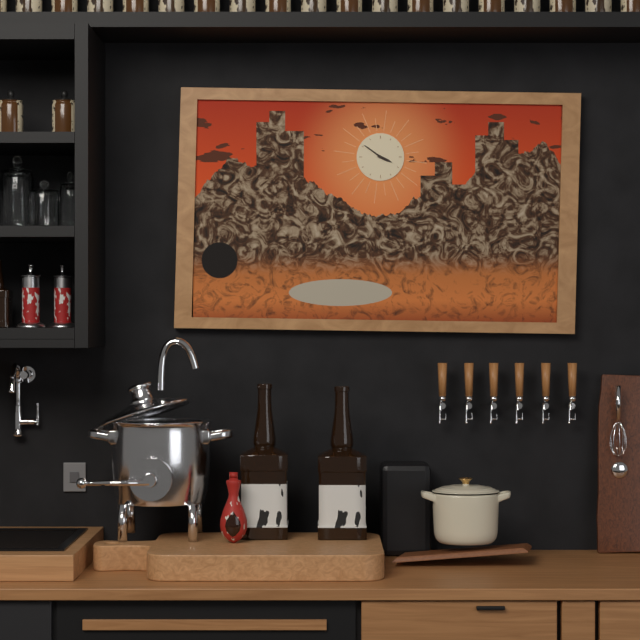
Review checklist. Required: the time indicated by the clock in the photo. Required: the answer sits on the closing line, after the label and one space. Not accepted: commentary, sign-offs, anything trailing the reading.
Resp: 3:51
